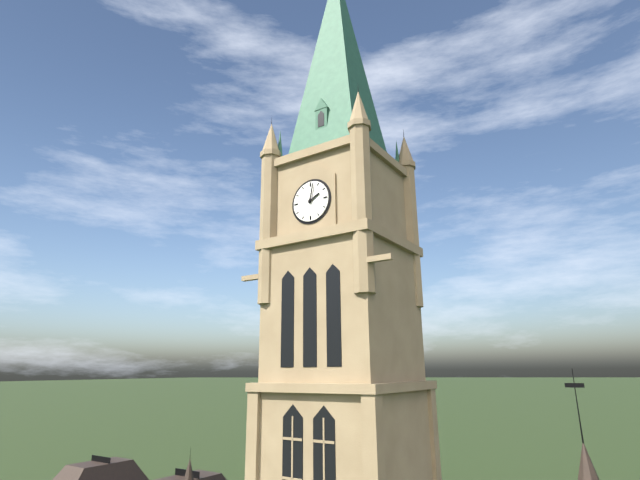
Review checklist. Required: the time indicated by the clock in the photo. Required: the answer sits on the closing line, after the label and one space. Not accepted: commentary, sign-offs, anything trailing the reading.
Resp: 2:02
